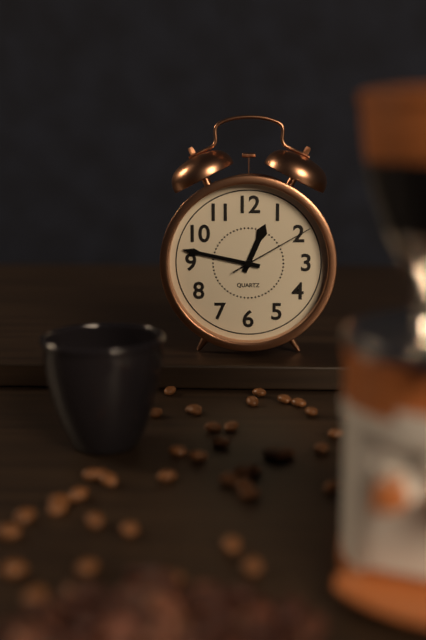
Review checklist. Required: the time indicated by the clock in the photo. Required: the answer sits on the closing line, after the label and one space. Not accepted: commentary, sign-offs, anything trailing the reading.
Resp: 12:47:10
